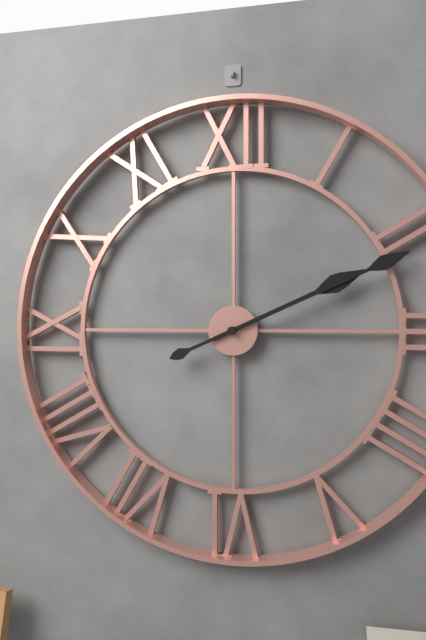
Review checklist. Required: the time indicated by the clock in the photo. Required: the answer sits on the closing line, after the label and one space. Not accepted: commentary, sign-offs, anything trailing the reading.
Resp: 2:11
